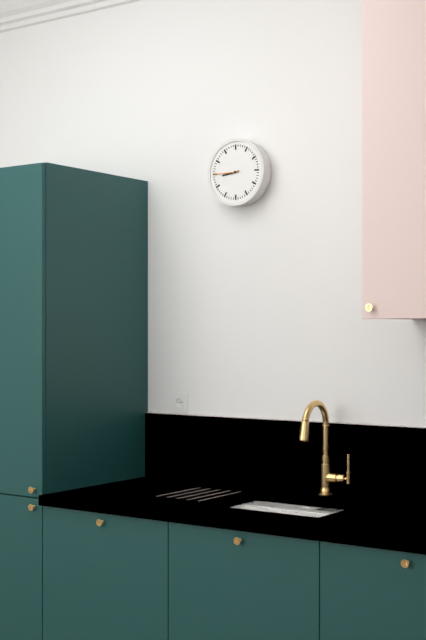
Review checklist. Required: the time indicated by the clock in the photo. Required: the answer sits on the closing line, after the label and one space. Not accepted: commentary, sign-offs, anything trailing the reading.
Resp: 8:45
